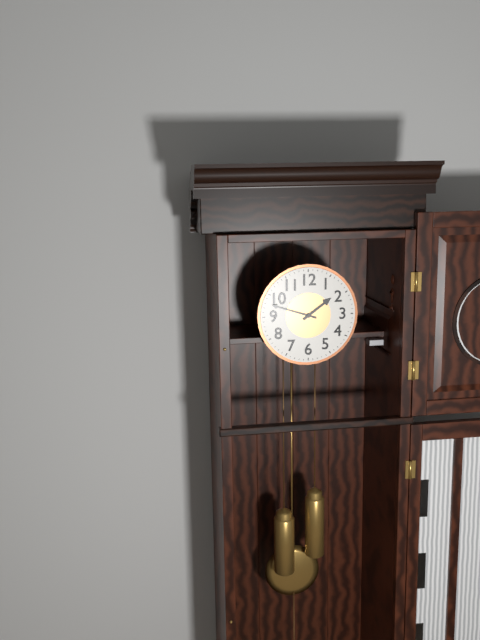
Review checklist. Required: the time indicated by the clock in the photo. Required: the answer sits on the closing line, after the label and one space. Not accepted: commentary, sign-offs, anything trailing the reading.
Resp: 1:48
